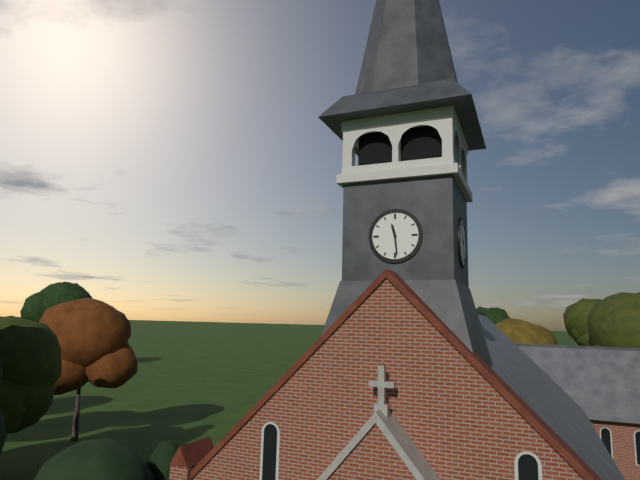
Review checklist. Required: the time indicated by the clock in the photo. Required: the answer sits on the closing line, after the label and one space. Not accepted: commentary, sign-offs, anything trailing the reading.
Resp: 11:29
